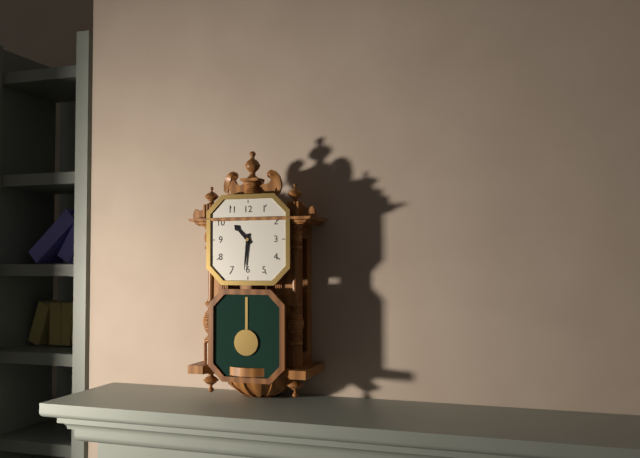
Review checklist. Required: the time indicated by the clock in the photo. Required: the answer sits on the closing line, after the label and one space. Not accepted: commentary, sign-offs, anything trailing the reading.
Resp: 10:31
